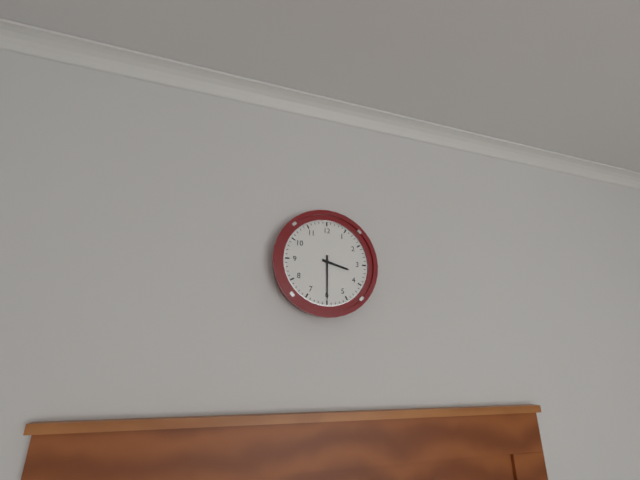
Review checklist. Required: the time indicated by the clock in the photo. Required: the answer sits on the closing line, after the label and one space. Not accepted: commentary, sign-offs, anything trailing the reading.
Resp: 3:30
